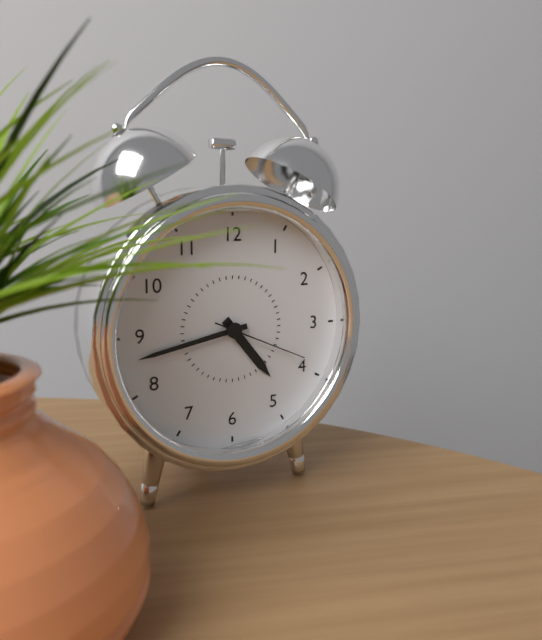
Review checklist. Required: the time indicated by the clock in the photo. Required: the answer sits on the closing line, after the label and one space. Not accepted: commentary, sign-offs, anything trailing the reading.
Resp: 4:43:19
